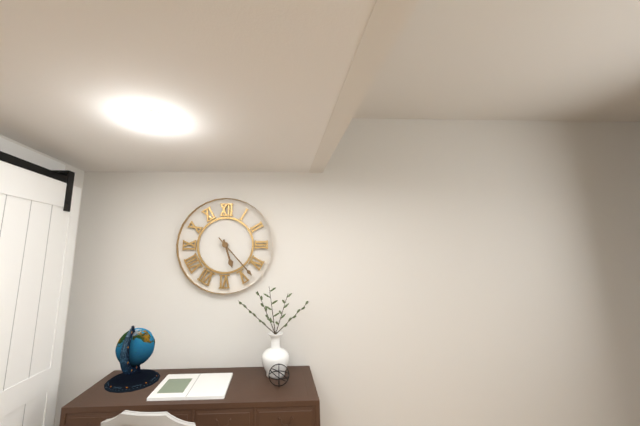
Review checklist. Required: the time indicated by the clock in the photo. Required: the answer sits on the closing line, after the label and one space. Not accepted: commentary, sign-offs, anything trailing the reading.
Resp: 5:23
